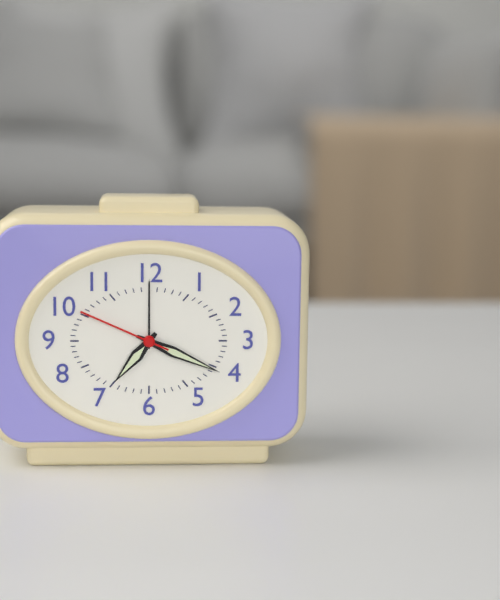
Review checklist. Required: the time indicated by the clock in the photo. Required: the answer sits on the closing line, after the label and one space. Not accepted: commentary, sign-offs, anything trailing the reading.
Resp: 7:19:49
